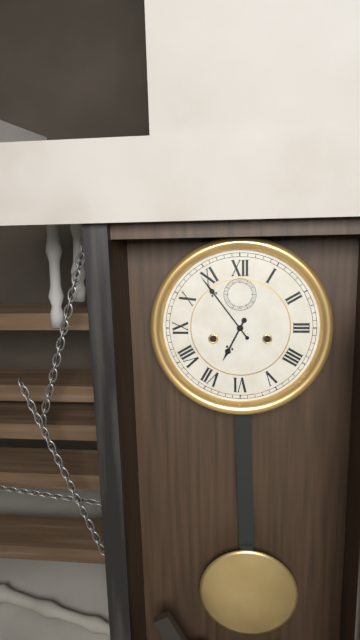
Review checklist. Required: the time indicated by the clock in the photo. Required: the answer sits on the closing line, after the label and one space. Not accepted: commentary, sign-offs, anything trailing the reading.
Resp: 6:54
